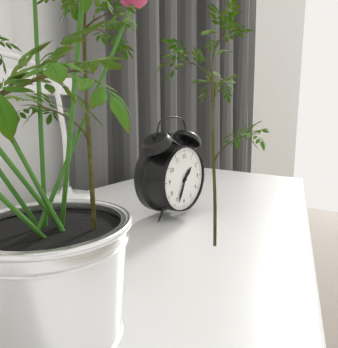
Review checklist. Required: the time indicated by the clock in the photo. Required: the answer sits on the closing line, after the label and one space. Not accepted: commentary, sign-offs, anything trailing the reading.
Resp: 1:34
